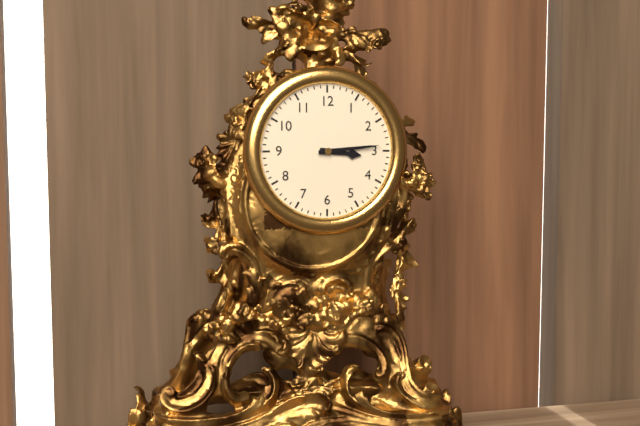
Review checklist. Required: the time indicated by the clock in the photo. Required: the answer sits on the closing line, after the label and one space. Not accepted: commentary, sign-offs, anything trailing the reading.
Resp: 3:14
